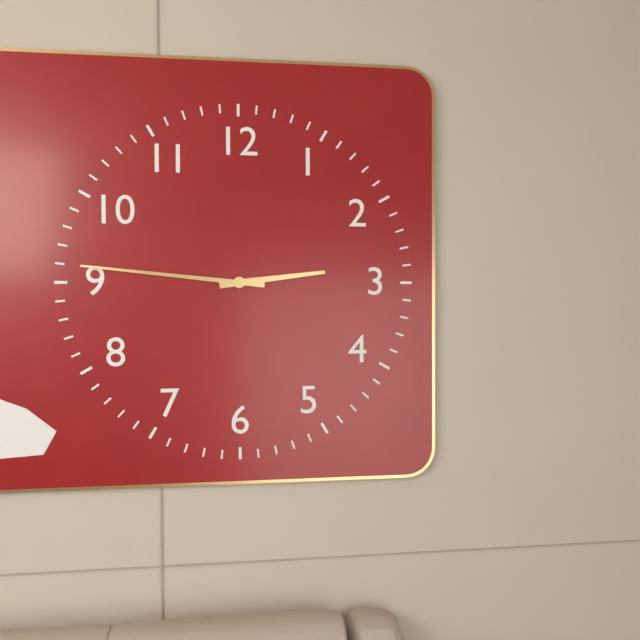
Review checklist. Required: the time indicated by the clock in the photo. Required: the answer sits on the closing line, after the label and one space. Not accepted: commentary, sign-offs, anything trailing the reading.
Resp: 2:46
